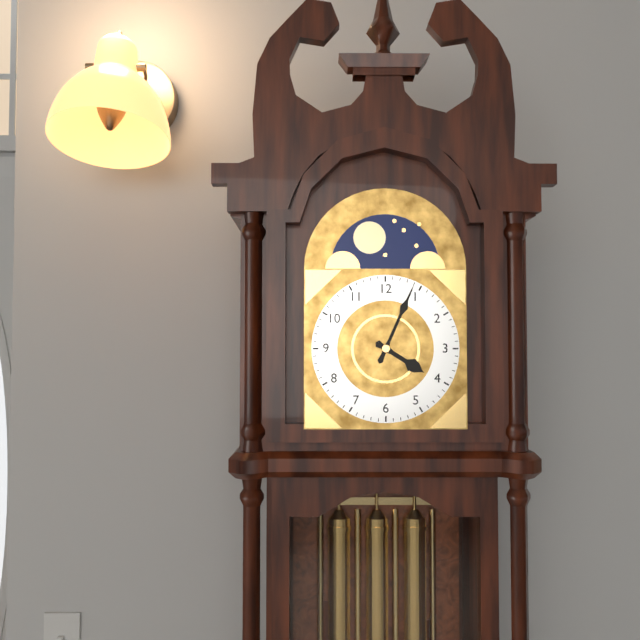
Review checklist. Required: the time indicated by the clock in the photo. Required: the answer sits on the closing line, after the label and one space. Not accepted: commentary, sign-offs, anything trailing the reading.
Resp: 4:04
